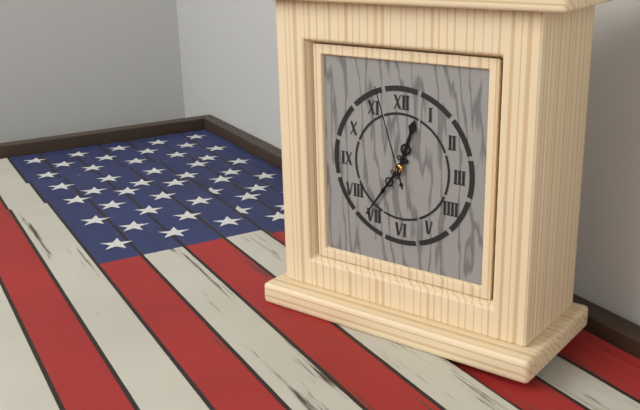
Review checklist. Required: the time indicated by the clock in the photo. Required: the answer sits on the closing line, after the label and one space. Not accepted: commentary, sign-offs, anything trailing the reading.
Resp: 12:36:57
